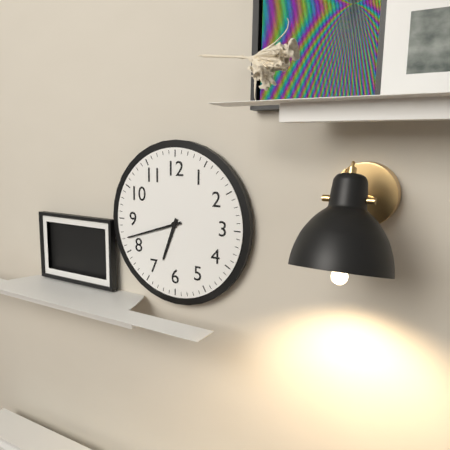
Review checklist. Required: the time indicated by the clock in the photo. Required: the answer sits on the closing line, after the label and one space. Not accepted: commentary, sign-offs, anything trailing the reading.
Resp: 6:42
